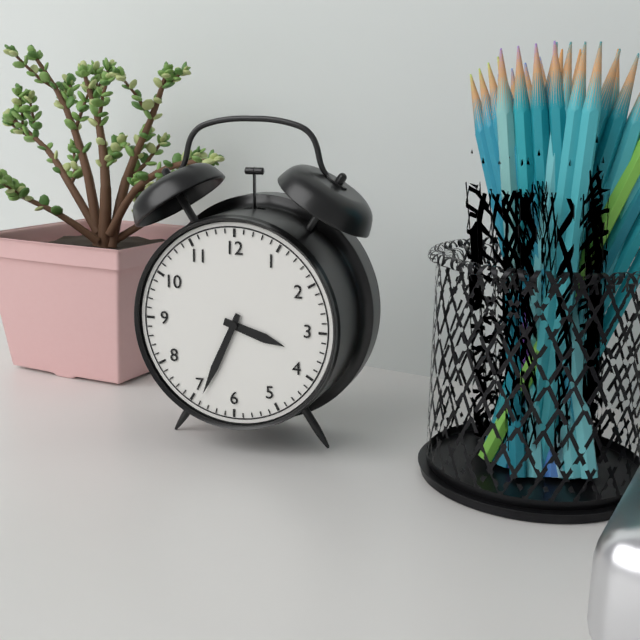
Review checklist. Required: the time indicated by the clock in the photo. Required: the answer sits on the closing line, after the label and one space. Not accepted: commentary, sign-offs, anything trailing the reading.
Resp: 3:34
